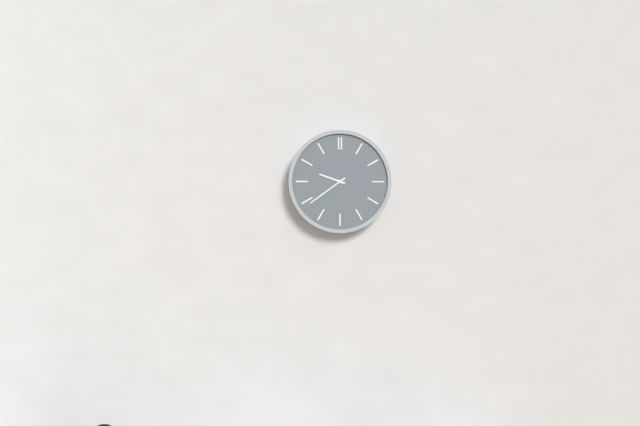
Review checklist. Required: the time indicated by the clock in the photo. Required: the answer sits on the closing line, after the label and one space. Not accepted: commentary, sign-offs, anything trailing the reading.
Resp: 9:39
